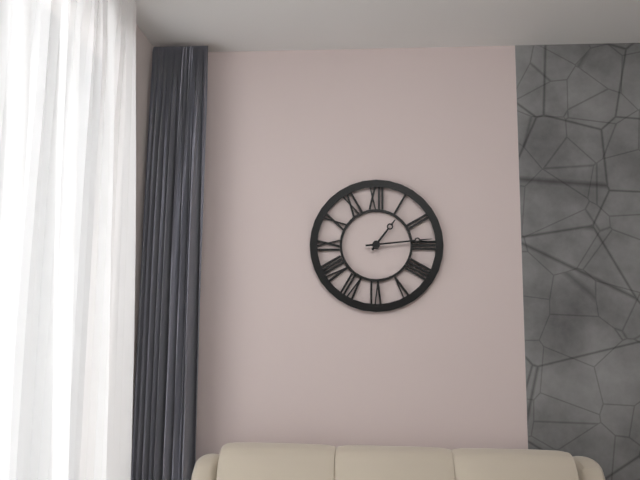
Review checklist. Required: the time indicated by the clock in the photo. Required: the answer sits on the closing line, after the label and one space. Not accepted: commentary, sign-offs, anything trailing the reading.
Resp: 1:14
